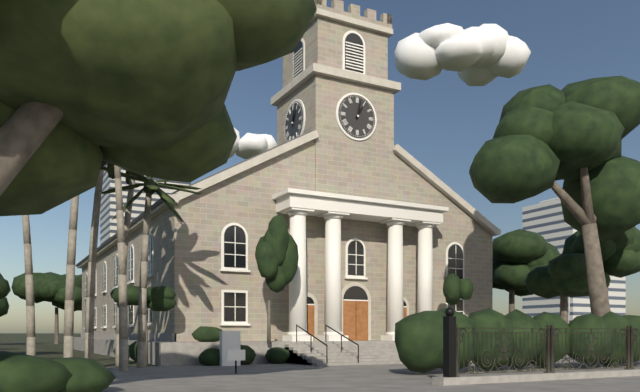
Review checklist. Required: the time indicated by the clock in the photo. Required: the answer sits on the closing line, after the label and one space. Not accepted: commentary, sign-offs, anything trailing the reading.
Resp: 1:02
